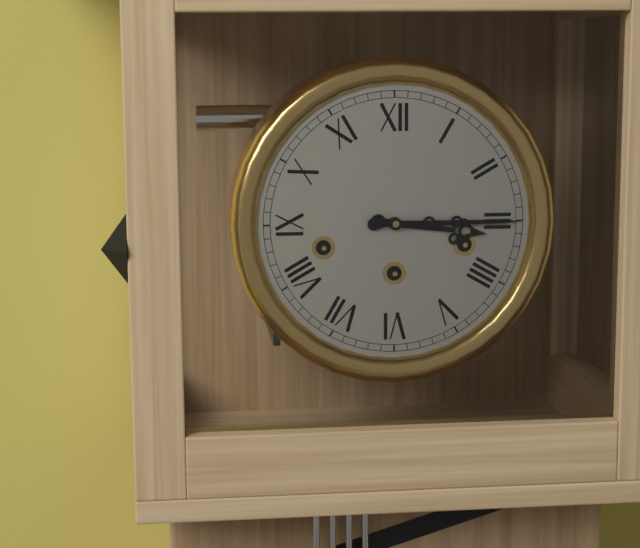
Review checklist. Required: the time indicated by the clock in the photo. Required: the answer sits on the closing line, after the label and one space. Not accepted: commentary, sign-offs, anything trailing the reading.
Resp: 3:15
